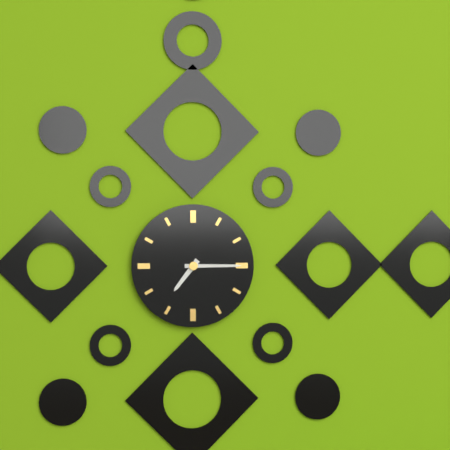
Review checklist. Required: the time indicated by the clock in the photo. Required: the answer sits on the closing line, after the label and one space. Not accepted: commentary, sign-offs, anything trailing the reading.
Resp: 7:15
